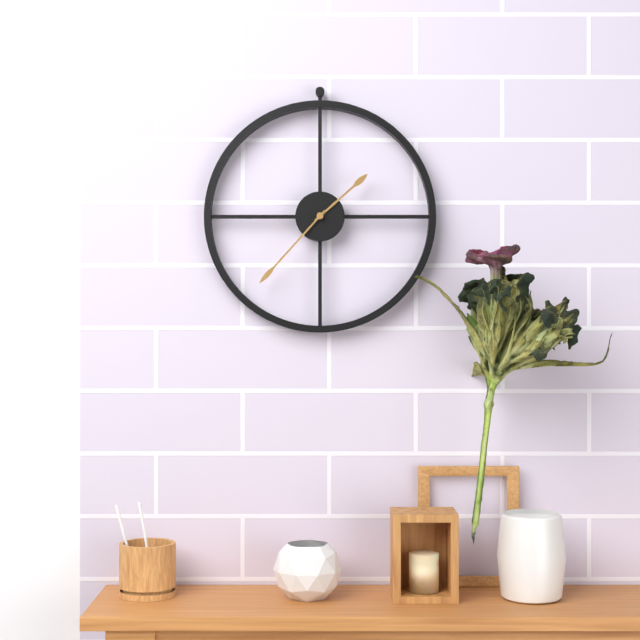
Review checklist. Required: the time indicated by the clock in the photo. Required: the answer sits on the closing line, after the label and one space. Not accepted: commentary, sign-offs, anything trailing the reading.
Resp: 1:37
